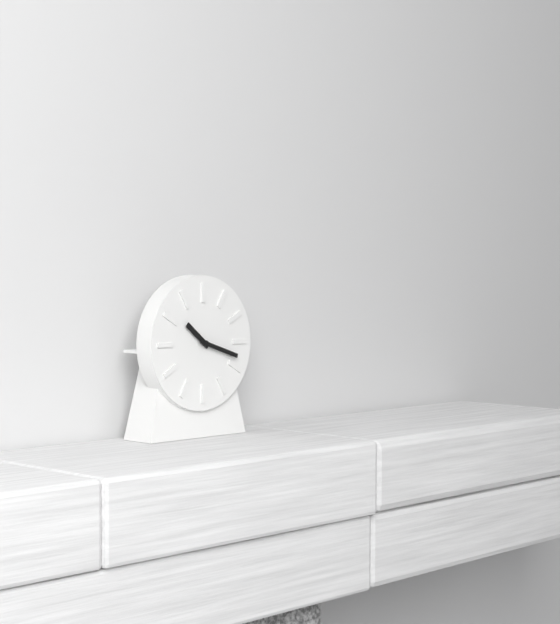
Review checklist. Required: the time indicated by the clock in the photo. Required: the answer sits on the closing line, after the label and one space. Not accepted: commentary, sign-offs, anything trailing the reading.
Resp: 10:18
